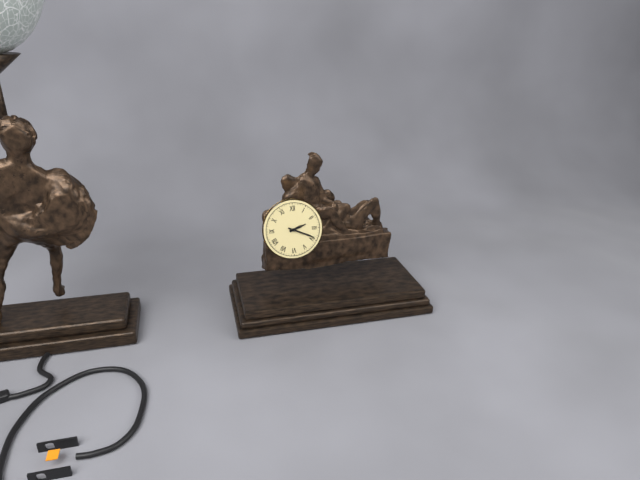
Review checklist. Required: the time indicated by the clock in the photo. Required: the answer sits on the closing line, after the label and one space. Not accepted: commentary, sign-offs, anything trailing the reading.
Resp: 2:19
